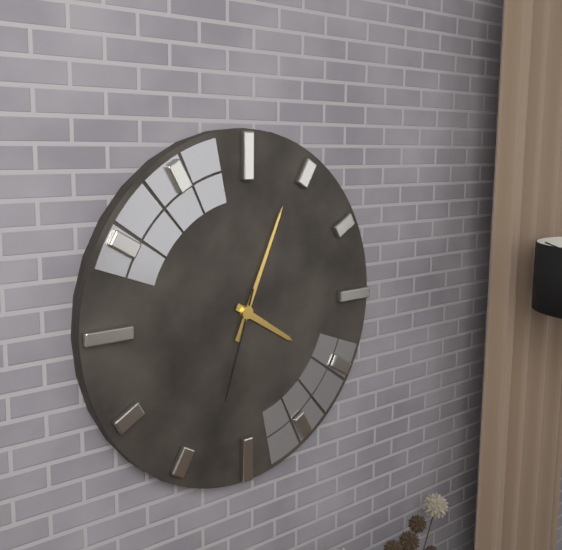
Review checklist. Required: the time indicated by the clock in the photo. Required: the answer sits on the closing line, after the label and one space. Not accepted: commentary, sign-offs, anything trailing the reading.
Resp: 4:04:33
